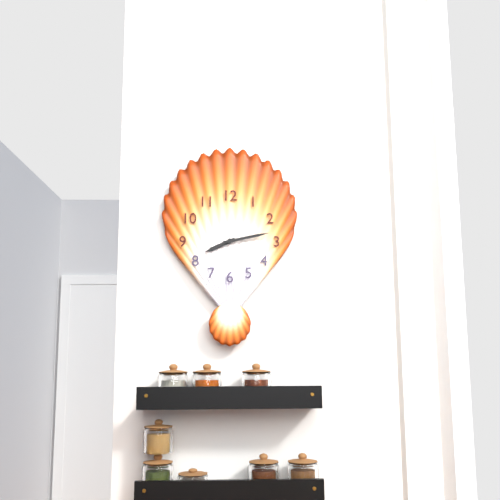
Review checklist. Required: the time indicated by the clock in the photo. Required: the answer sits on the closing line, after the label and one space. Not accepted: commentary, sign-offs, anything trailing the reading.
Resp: 8:13
